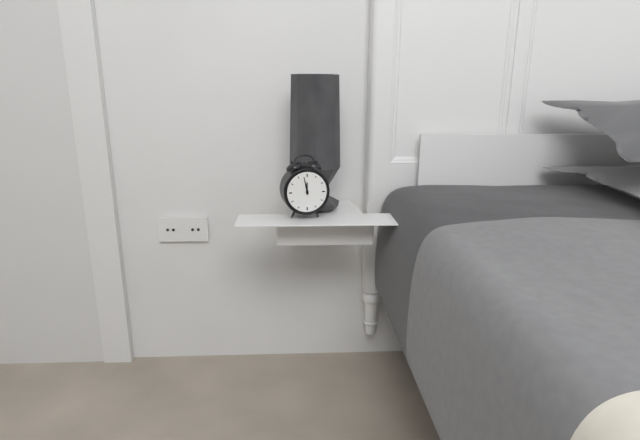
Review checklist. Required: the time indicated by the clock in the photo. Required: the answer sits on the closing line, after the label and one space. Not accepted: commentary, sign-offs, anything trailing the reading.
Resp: 11:58
